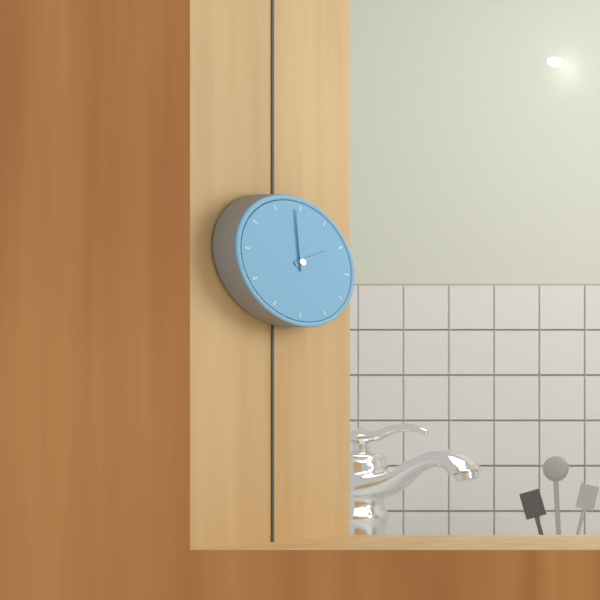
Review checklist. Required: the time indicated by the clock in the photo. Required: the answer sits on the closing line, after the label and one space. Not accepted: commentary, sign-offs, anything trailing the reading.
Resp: 1:59
